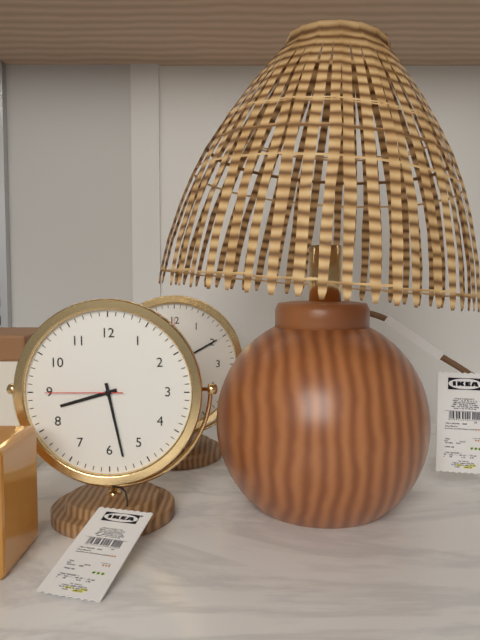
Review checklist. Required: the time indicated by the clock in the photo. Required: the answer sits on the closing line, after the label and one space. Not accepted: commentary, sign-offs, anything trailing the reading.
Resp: 8:28:45
